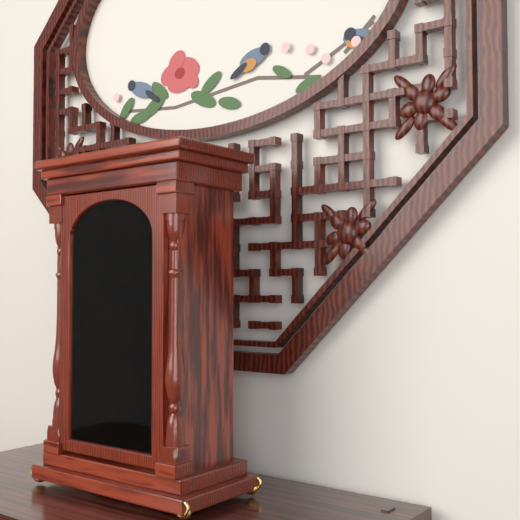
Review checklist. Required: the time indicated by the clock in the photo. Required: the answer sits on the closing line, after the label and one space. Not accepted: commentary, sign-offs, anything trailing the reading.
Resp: 7:03
